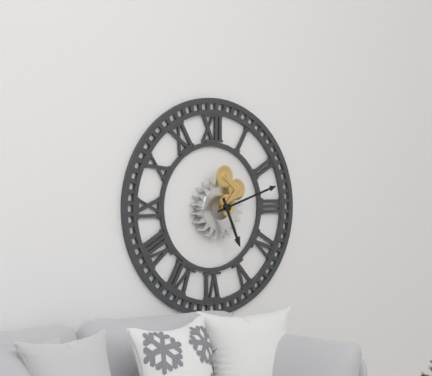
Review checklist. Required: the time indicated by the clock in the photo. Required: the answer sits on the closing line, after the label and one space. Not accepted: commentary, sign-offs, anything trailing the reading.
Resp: 5:12
